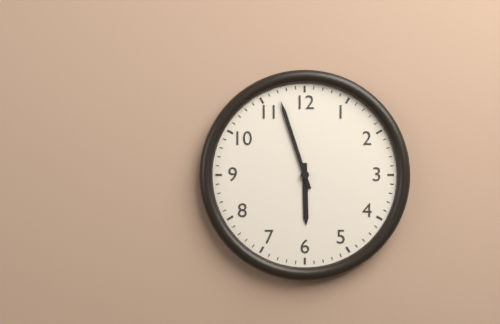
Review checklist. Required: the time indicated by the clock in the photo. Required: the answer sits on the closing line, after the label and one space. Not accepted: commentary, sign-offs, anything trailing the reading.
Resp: 5:57
